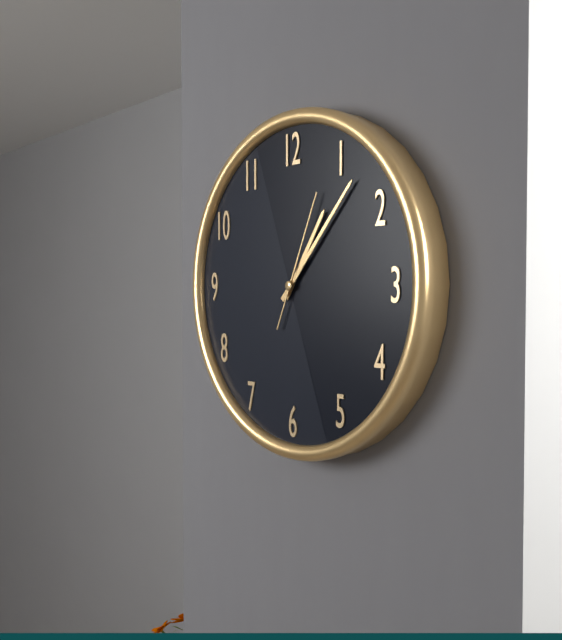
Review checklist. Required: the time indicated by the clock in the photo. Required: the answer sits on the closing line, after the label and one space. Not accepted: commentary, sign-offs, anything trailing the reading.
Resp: 1:07:04
